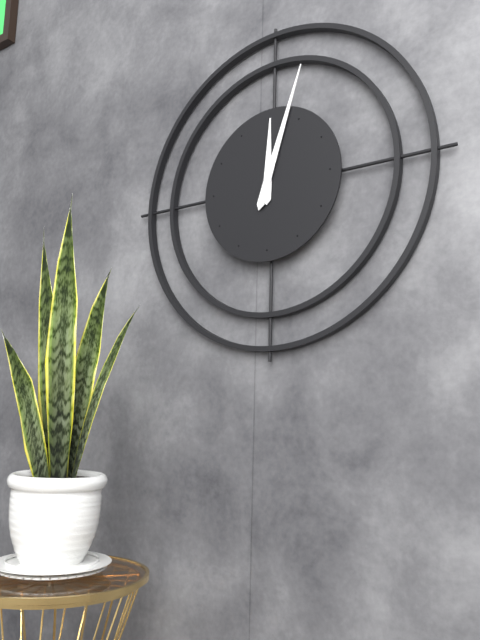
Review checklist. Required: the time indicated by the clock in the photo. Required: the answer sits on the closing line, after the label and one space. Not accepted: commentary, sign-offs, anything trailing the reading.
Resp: 12:03
